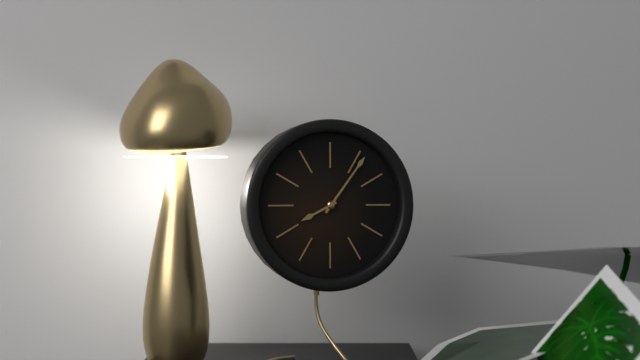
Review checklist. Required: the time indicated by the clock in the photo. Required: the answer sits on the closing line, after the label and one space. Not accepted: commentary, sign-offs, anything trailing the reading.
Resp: 8:06
